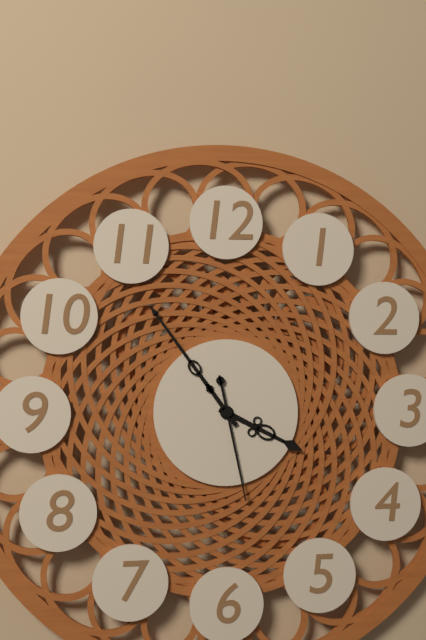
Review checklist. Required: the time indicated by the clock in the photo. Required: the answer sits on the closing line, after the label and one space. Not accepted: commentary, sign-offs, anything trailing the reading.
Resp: 3:54:28
